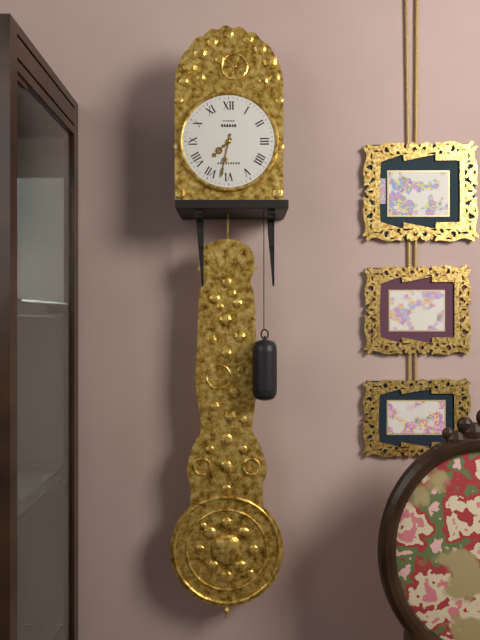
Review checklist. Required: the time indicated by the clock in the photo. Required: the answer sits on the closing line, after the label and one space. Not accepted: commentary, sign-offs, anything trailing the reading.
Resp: 7:32
